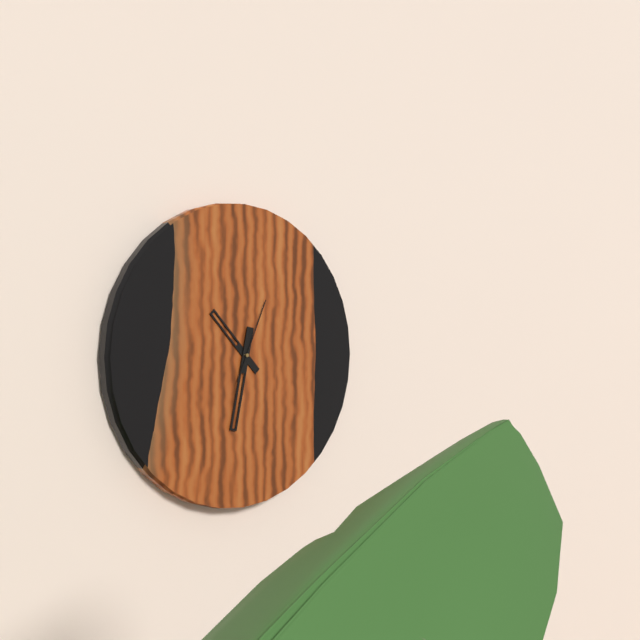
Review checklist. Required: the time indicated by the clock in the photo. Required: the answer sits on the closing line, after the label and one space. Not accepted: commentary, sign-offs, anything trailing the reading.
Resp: 10:32:04
